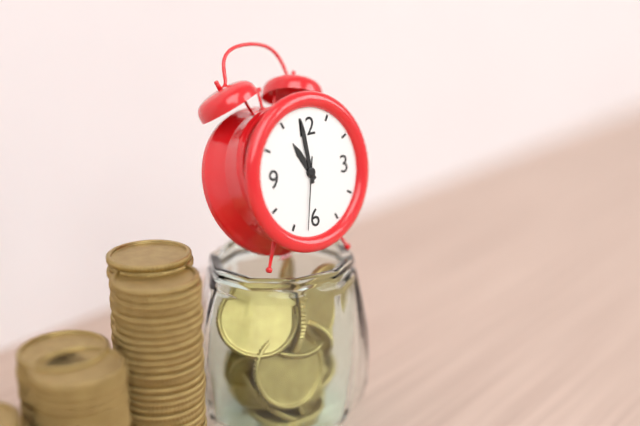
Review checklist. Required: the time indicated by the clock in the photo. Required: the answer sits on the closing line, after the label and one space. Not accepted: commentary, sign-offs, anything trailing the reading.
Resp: 10:59:32
